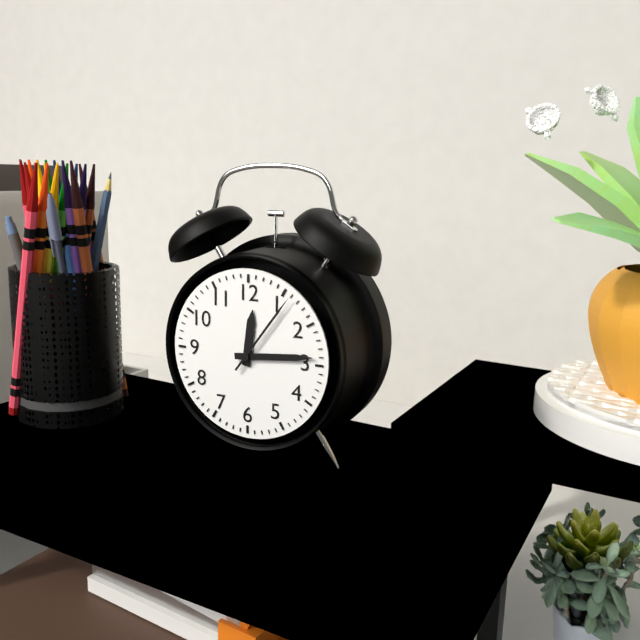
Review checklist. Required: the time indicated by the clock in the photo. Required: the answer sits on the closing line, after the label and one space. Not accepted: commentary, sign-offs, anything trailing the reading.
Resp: 12:14:06
